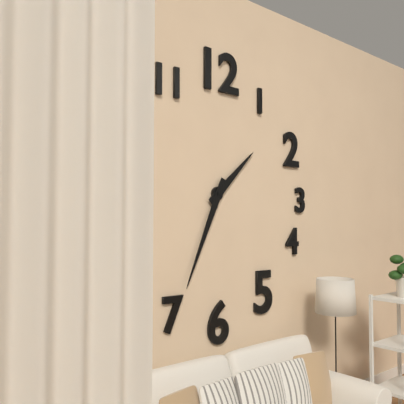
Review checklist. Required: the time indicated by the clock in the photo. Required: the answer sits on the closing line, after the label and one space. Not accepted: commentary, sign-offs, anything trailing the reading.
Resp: 1:34
